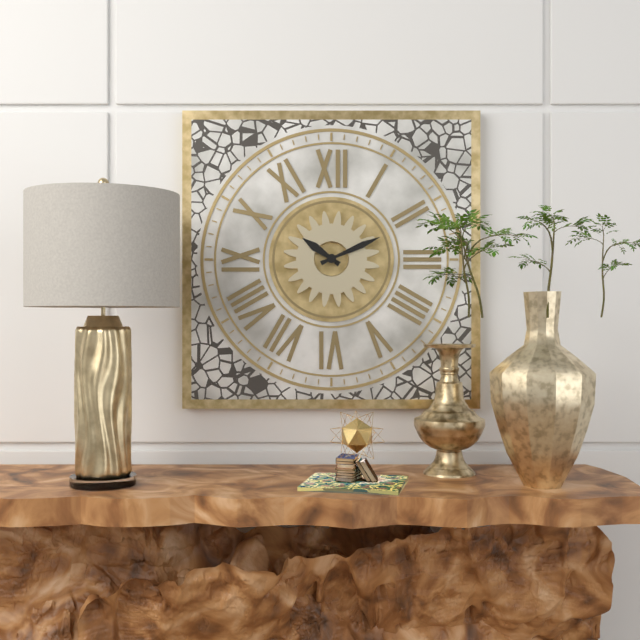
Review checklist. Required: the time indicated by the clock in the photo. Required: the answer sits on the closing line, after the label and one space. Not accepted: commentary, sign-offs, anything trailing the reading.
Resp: 10:11
